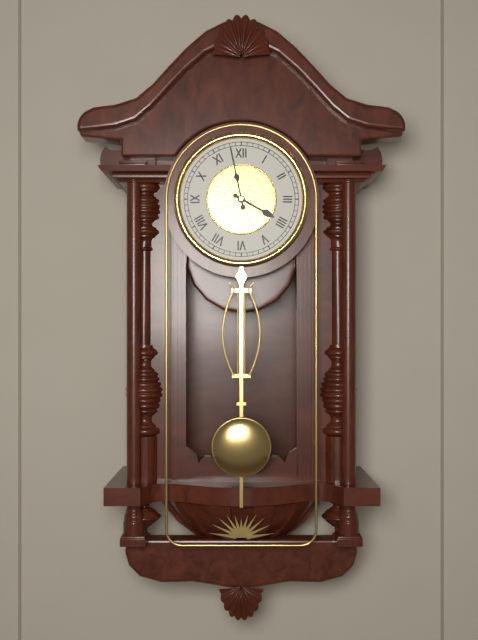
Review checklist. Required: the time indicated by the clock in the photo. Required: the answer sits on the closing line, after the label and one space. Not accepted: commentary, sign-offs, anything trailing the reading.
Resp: 3:58
